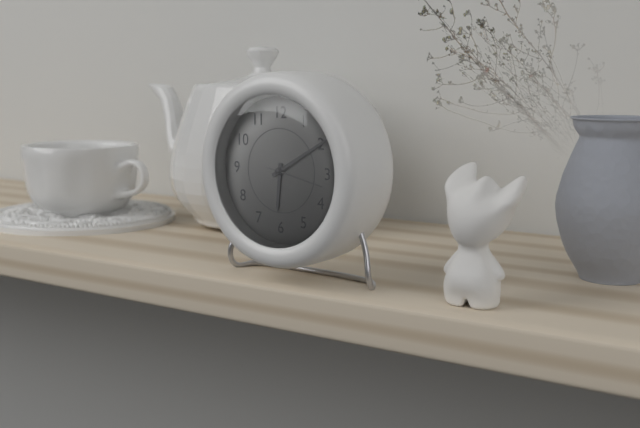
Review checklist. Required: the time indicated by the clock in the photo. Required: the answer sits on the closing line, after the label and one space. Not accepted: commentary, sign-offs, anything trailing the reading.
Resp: 6:10
